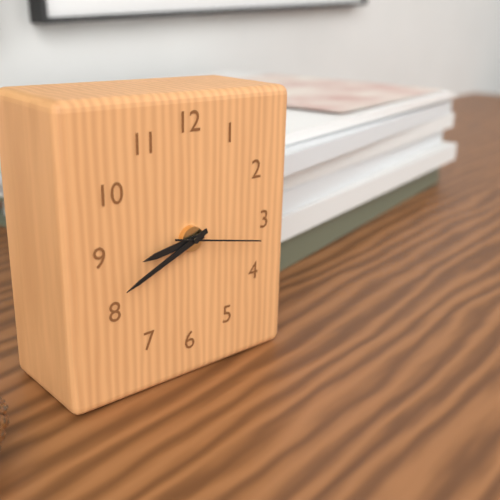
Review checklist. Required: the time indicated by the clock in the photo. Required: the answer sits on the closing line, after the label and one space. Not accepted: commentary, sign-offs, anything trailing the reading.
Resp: 8:41:17
